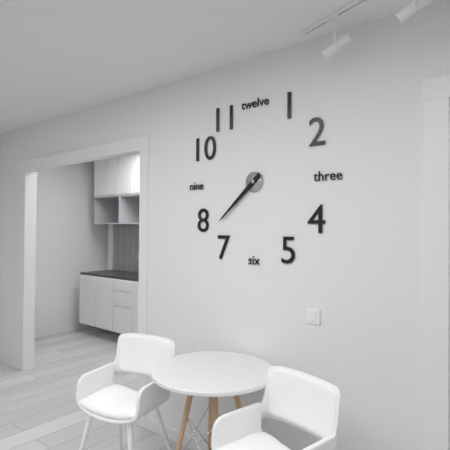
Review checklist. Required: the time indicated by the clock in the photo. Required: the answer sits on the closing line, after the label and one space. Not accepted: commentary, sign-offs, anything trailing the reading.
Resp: 7:38
